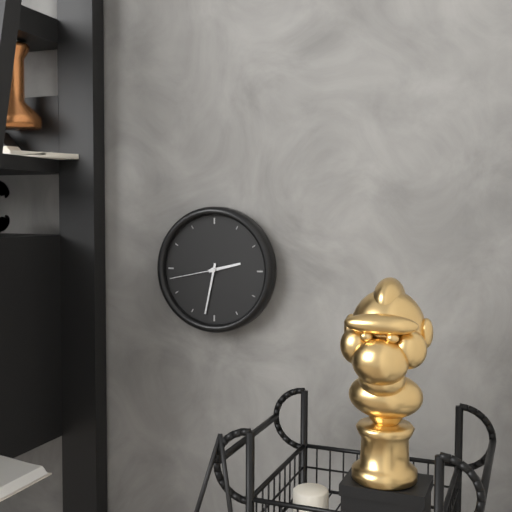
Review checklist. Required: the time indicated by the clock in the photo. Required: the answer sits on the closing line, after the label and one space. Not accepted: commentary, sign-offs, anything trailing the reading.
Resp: 2:32:43
